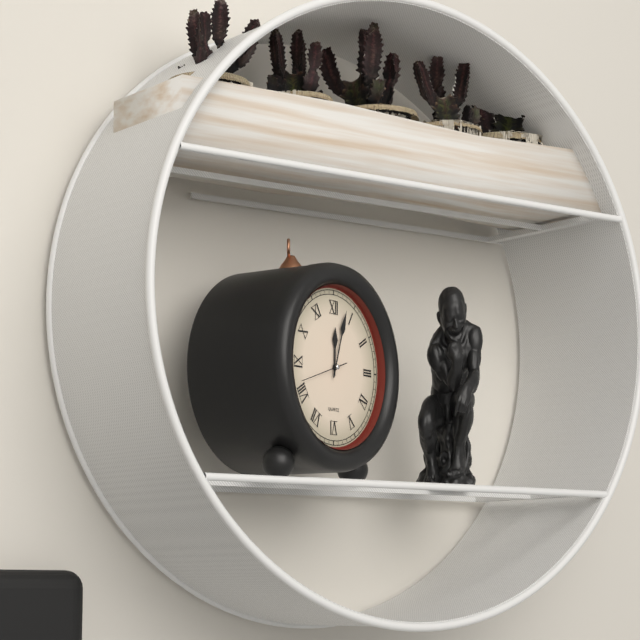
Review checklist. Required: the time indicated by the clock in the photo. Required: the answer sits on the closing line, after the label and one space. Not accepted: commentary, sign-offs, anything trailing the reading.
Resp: 12:03
